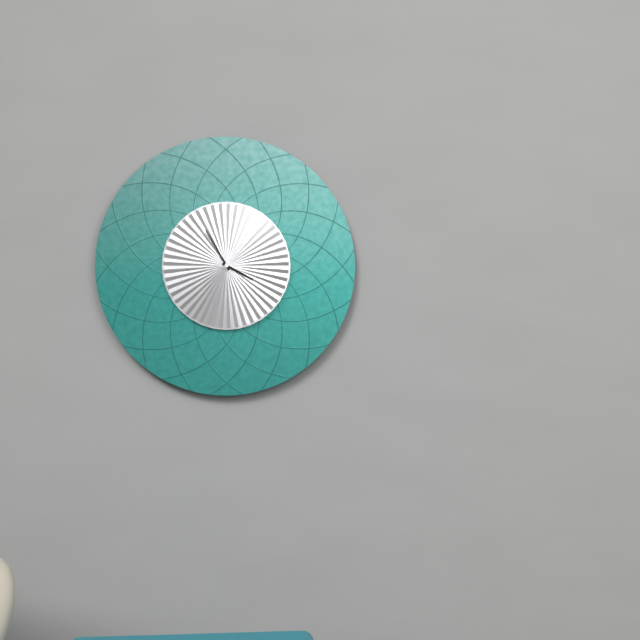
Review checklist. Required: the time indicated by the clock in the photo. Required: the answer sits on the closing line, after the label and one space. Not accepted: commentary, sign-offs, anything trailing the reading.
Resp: 3:55
